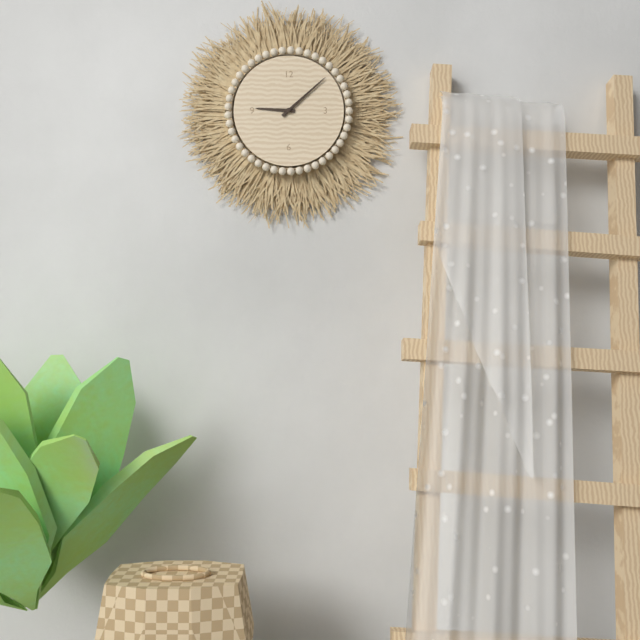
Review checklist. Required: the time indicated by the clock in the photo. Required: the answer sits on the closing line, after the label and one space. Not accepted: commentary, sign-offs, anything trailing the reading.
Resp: 9:08
